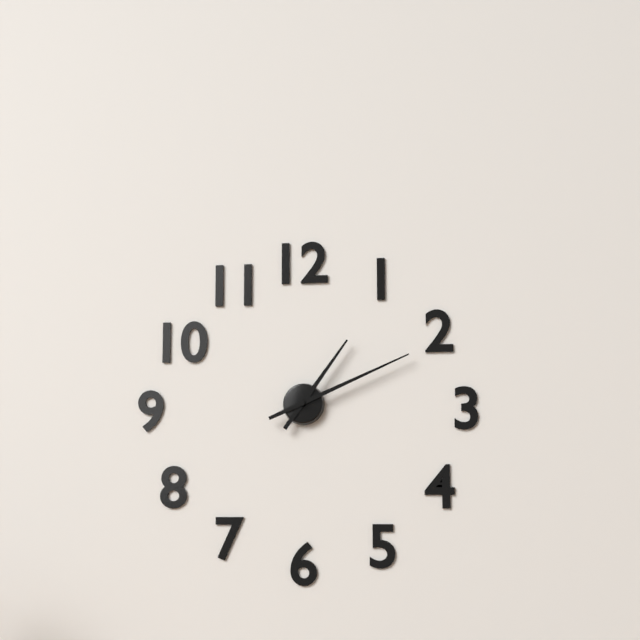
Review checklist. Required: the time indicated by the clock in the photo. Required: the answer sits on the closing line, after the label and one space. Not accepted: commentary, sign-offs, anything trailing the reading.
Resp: 1:11
